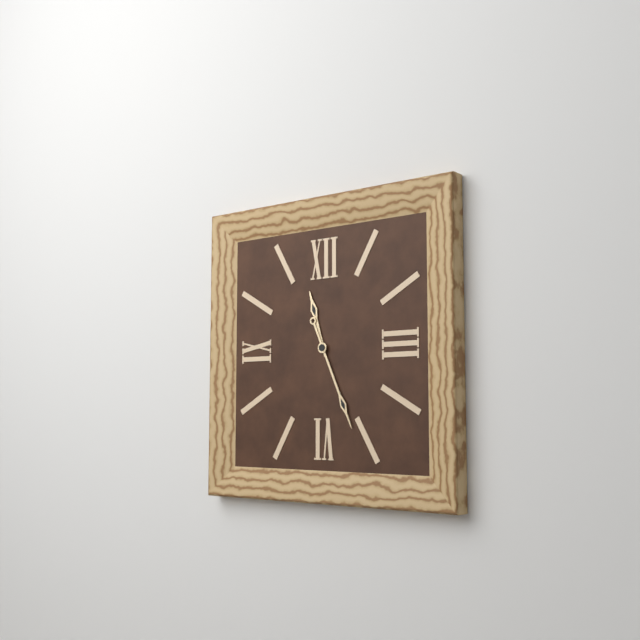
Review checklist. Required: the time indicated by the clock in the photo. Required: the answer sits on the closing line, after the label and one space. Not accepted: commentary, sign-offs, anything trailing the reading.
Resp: 11:26
